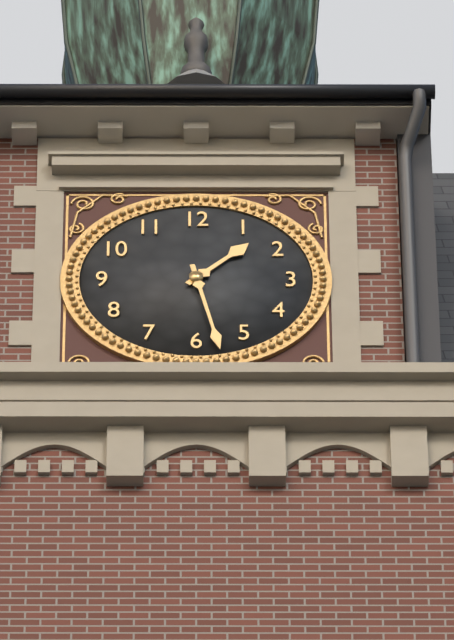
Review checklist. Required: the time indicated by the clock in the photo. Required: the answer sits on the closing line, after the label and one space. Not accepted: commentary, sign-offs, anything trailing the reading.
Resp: 1:28
